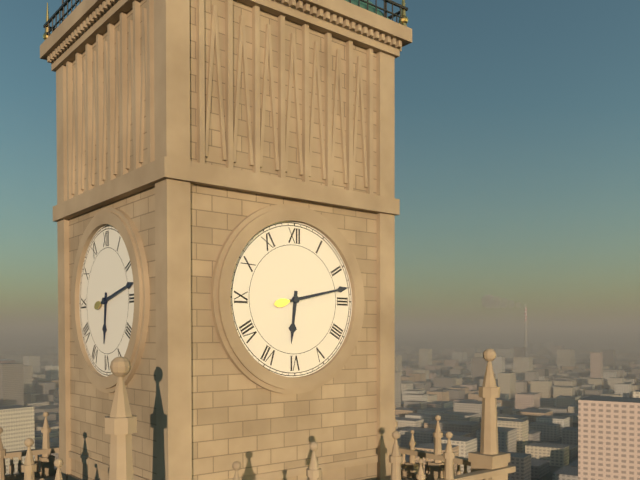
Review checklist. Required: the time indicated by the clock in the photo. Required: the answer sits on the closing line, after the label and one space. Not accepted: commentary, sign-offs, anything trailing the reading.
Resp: 6:13
